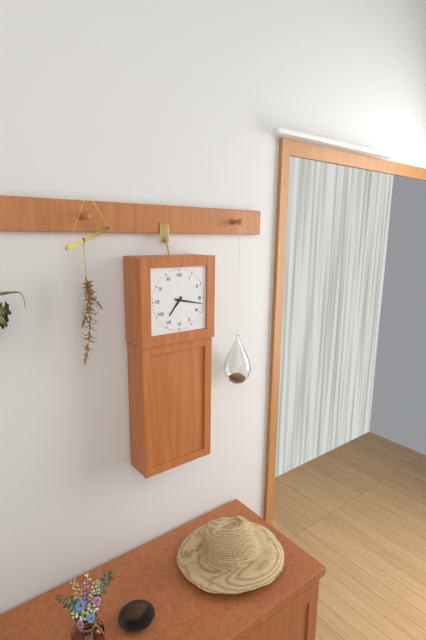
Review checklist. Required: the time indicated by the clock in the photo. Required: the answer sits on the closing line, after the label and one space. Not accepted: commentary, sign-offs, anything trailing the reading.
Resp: 7:17
